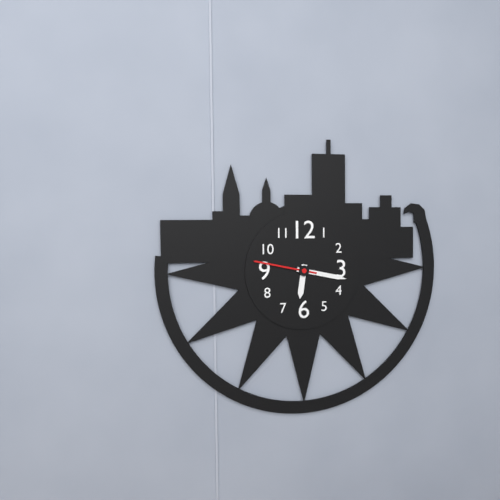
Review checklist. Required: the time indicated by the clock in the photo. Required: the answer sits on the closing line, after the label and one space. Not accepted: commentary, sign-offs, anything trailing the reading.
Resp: 6:17:47
